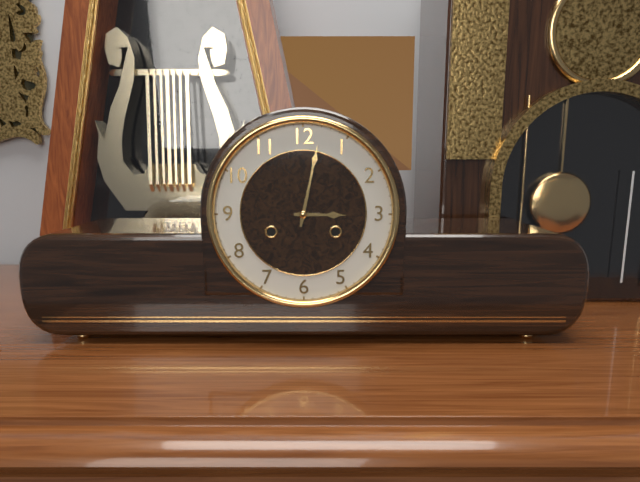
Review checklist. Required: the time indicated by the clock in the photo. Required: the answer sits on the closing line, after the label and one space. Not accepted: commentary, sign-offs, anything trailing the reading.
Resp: 3:02
